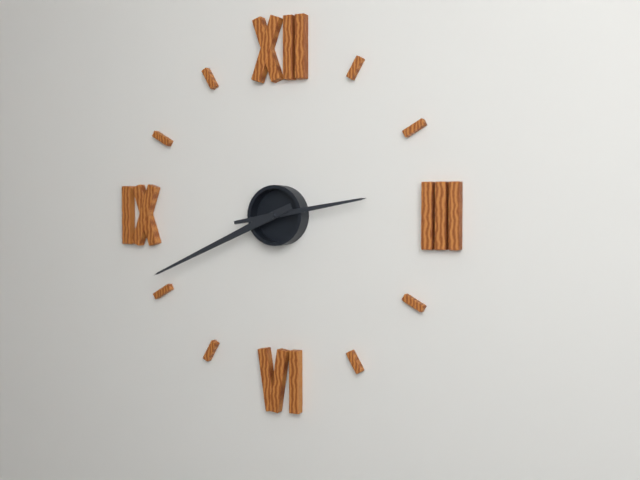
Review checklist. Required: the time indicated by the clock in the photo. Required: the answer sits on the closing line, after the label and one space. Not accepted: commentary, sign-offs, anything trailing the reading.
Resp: 2:41
